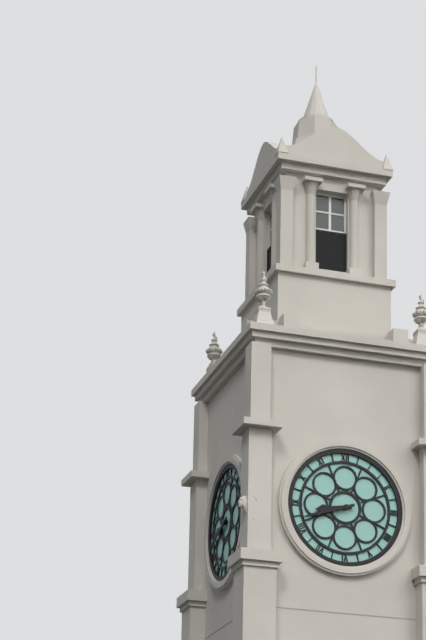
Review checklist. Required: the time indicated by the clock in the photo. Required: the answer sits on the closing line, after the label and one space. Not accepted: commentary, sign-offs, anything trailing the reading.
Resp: 8:42
